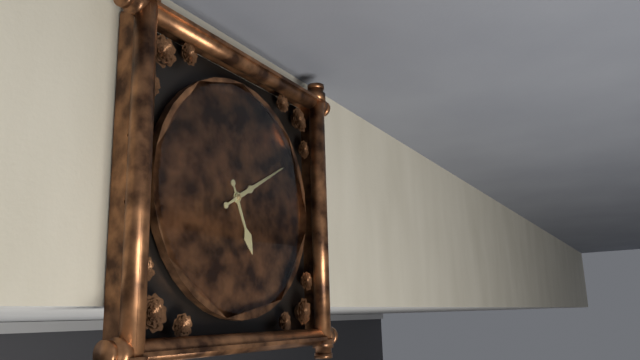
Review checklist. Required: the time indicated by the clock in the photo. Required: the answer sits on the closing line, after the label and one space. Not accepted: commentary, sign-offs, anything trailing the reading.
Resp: 5:10
